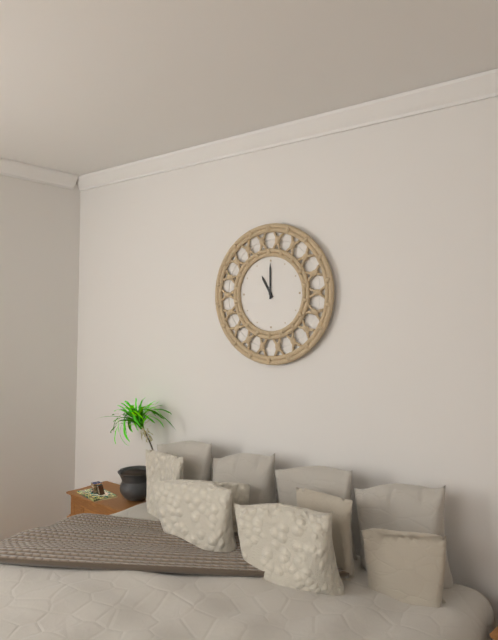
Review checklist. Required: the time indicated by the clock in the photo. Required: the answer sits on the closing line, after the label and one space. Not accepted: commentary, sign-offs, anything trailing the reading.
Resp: 11:00
